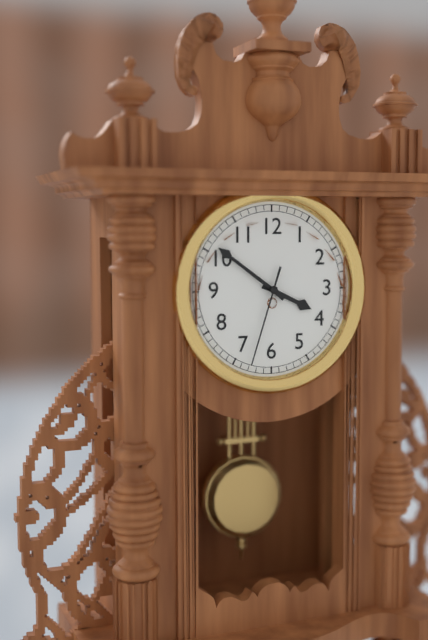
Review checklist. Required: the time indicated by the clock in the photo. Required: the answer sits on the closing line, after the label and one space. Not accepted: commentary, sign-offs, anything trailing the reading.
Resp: 3:51:33
